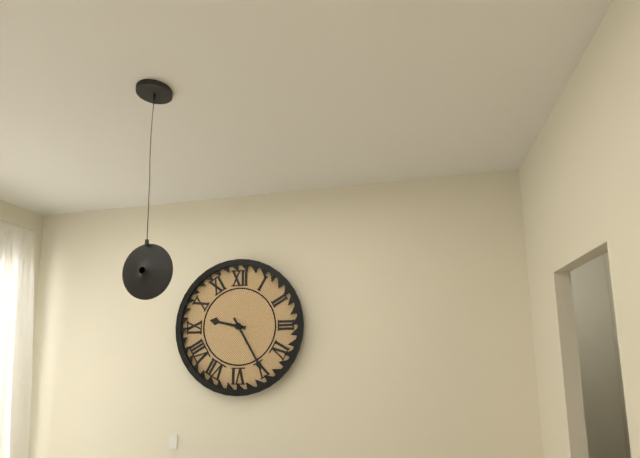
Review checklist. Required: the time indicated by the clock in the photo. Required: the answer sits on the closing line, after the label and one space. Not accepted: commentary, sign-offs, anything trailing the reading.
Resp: 9:25
